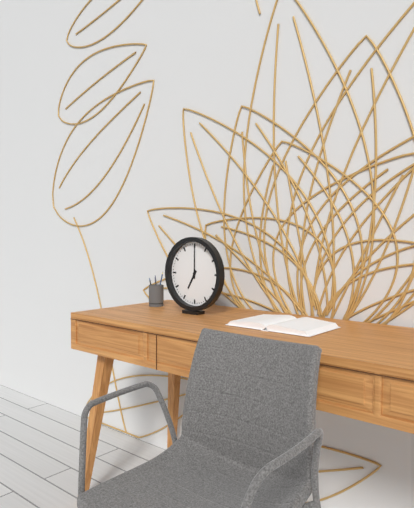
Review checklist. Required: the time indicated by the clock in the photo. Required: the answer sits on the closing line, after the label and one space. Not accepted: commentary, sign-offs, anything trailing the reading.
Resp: 7:00
